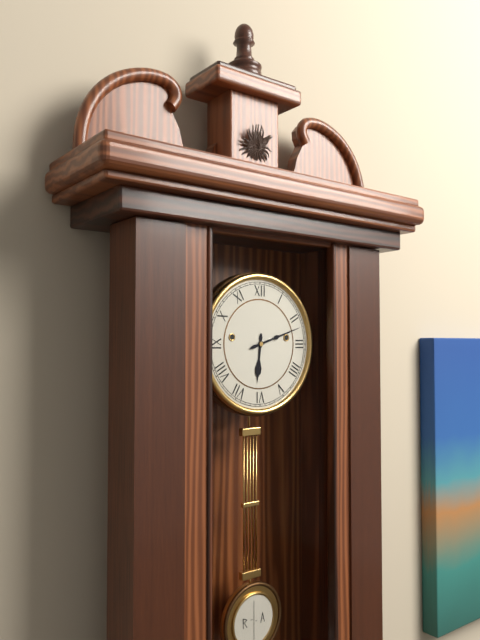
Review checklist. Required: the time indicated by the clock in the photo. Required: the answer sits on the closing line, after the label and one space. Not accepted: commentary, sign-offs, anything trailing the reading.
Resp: 6:12
